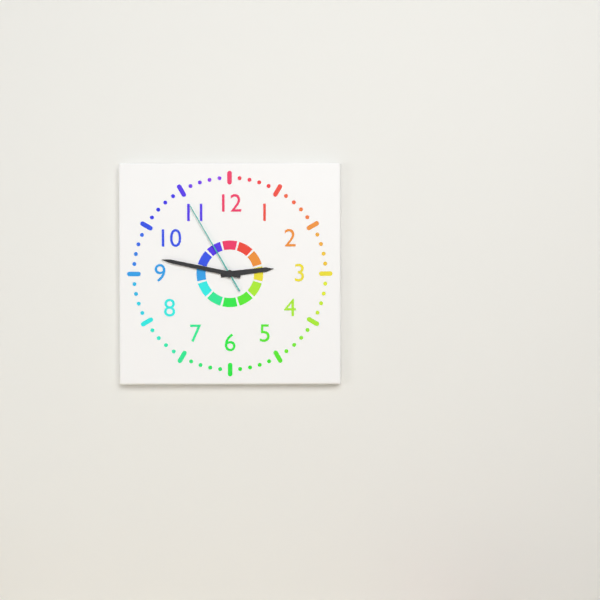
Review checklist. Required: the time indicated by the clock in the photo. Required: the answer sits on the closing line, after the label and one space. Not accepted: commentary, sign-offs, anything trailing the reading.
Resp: 2:47:55
